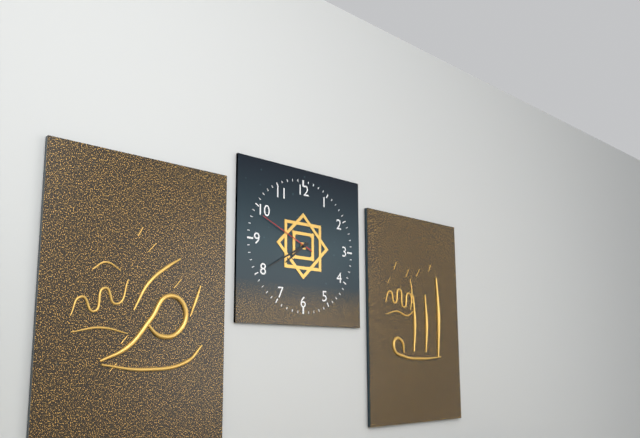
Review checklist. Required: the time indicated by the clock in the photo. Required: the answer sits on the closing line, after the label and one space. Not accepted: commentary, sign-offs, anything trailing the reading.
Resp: 7:40:49
